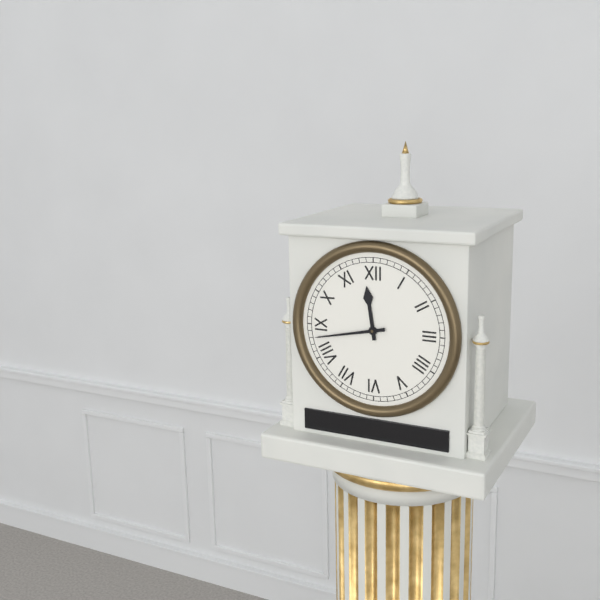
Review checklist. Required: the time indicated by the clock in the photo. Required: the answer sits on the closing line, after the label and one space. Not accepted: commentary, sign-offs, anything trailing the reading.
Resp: 11:43
